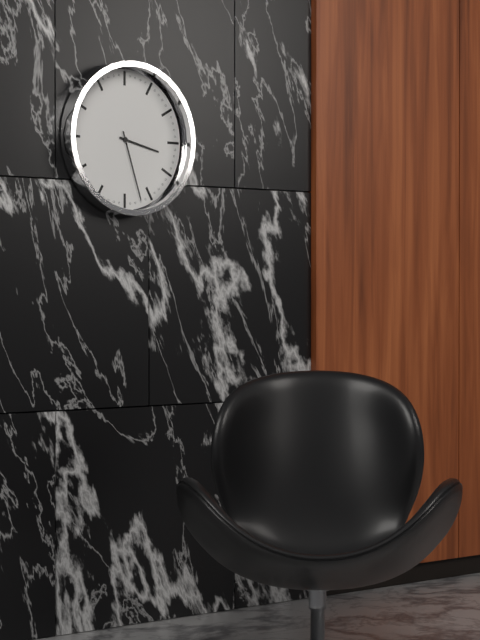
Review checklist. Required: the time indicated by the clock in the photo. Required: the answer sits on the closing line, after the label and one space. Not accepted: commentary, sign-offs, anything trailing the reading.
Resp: 3:27
